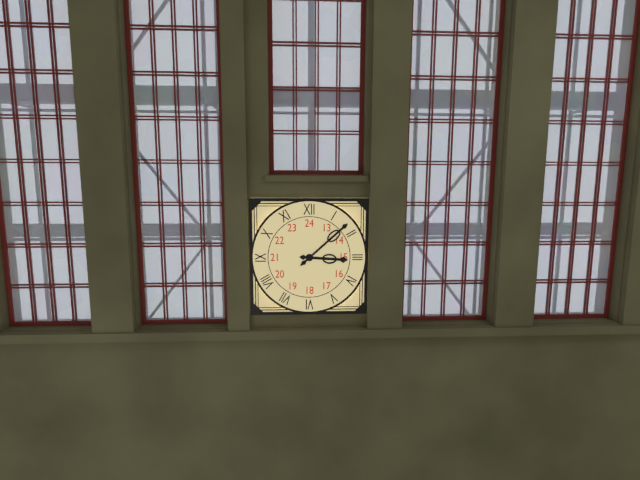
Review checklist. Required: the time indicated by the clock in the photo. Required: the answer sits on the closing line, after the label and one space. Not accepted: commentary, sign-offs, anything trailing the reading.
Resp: 3:08
